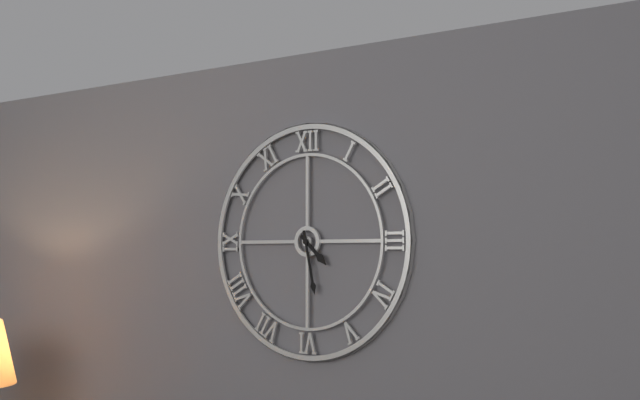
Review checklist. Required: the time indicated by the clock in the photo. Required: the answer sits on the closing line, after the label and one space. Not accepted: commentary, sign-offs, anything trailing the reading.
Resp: 4:28
